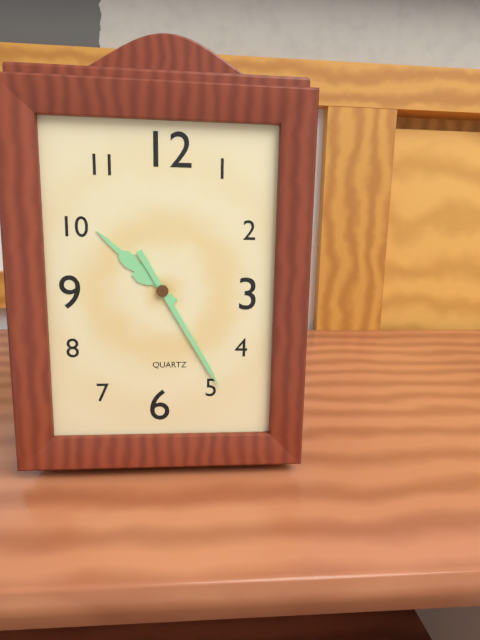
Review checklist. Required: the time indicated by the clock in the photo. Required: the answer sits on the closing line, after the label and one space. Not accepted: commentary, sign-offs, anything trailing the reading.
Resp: 10:25
